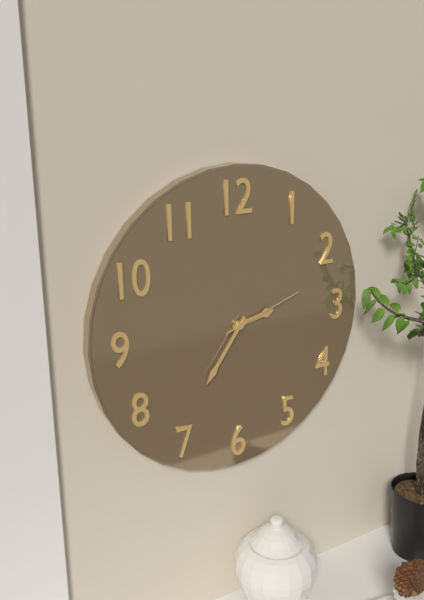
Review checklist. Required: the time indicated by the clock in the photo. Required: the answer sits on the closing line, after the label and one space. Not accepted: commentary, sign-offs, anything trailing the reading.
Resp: 2:36:12
